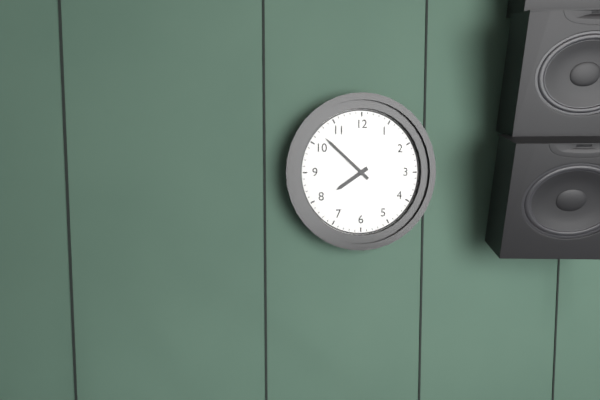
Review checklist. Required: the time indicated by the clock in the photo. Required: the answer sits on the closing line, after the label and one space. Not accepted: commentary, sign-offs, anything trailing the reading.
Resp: 7:52
